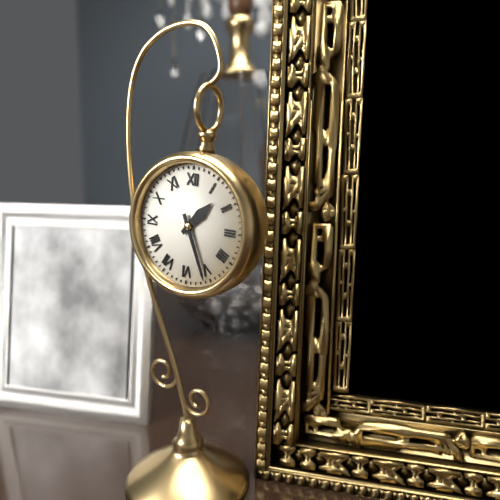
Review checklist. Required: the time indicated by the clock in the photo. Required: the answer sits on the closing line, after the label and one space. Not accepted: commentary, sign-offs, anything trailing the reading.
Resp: 1:26
